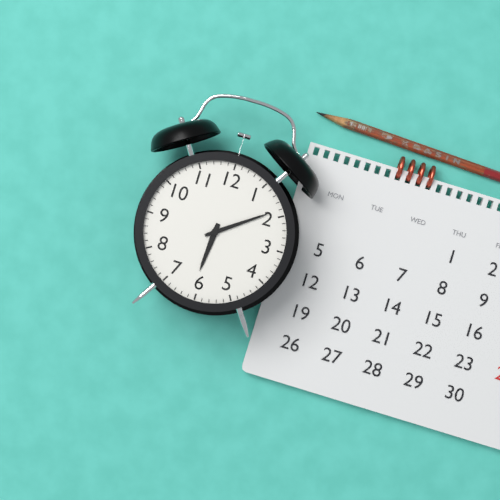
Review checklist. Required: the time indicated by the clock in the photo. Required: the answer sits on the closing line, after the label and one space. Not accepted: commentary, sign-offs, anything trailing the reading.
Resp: 6:09
